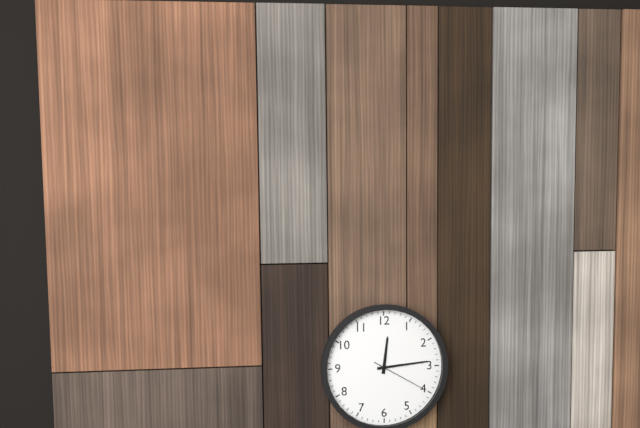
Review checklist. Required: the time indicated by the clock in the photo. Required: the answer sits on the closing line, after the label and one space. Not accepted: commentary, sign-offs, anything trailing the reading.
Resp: 12:14:20
